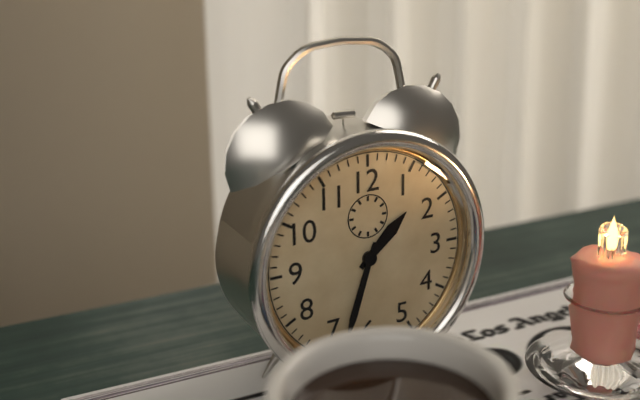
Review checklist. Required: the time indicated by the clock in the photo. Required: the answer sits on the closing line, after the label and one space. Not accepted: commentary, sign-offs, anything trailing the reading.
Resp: 1:33
